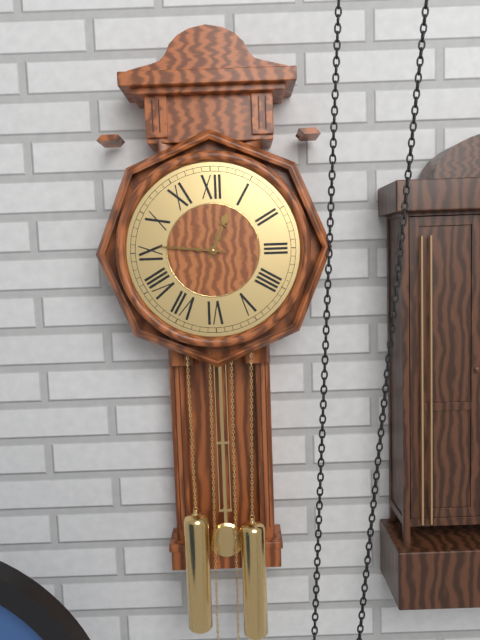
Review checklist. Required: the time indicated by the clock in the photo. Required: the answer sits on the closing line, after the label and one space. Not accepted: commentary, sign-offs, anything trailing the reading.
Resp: 12:46
